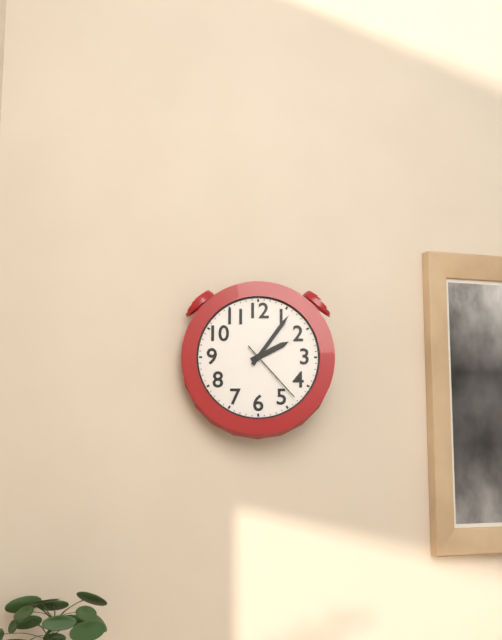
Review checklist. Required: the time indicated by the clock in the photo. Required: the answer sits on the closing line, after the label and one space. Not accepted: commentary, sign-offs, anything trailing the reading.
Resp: 2:06:23
